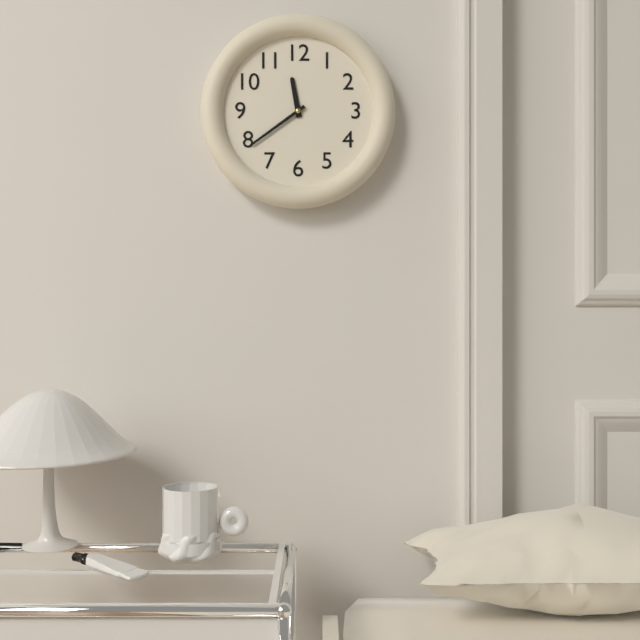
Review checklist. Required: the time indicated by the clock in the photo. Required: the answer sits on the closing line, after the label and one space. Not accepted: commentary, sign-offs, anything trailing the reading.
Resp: 11:39
